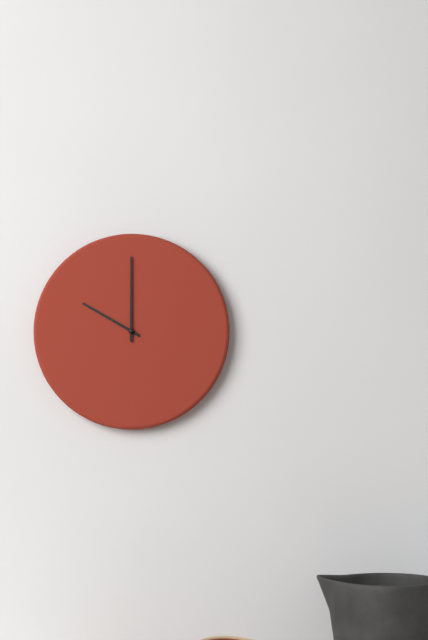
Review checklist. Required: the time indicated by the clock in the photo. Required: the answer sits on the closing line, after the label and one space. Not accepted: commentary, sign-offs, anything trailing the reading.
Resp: 10:00
